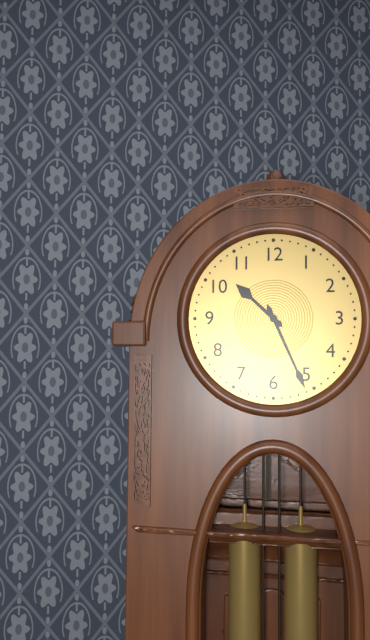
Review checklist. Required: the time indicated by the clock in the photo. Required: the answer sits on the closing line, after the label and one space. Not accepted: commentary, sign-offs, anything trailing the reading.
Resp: 10:26
